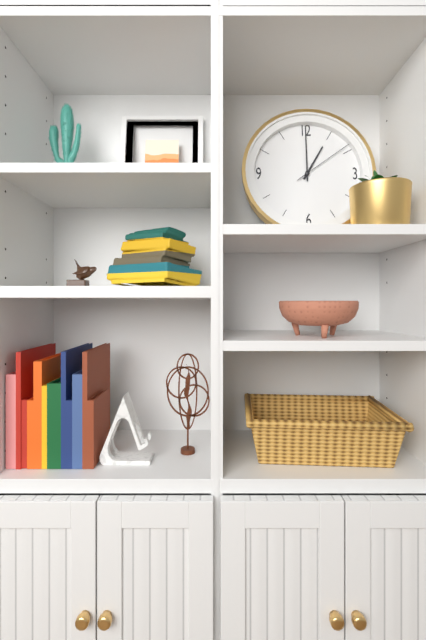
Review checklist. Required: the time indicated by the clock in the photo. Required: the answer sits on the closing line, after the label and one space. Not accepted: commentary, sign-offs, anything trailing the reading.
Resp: 1:00:09
